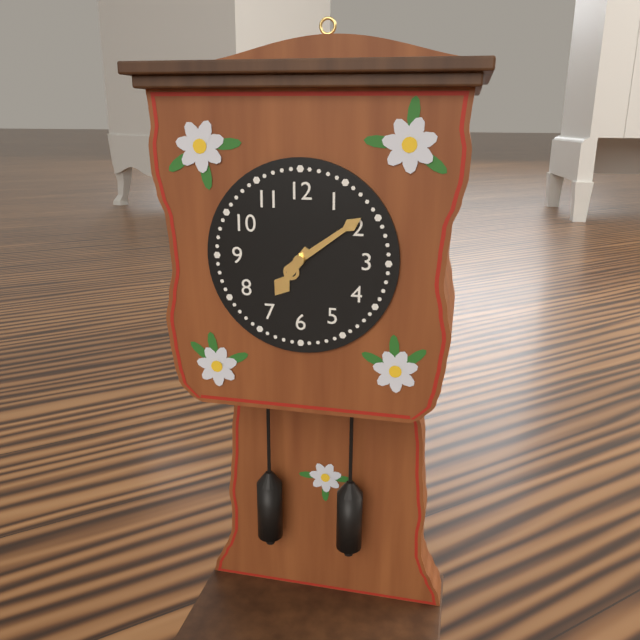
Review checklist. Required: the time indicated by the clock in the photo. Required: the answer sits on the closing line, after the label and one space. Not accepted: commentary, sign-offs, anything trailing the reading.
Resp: 7:09
